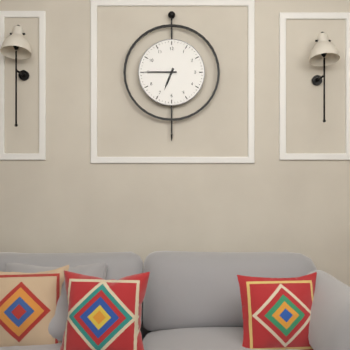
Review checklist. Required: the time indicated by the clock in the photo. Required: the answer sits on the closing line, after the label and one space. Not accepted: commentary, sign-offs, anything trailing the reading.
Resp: 6:45
